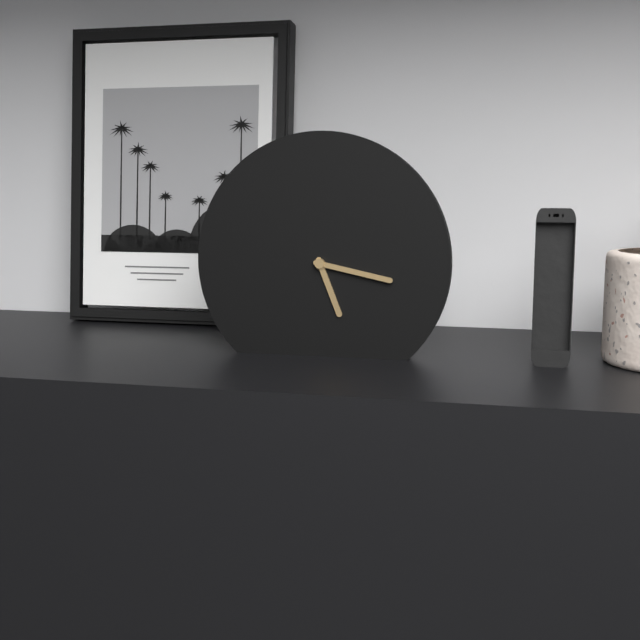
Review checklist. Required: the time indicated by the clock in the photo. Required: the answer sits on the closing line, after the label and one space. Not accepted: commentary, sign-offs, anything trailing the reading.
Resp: 5:17
